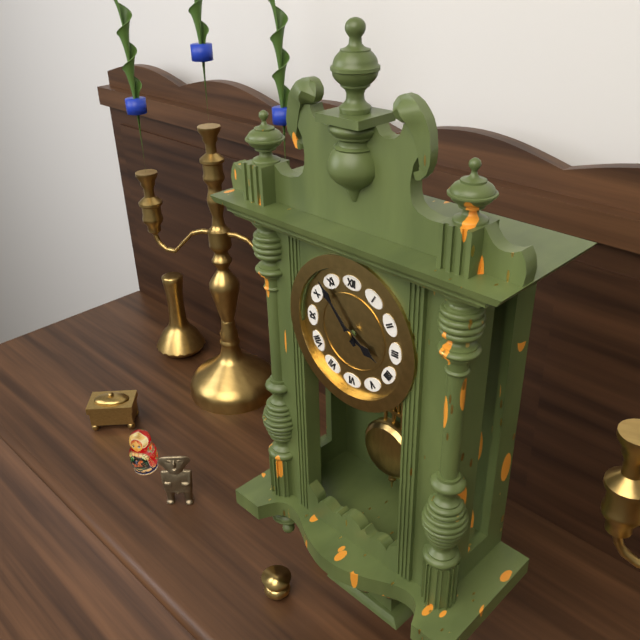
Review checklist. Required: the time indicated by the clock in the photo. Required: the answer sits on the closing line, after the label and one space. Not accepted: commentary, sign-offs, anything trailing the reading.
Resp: 3:53
